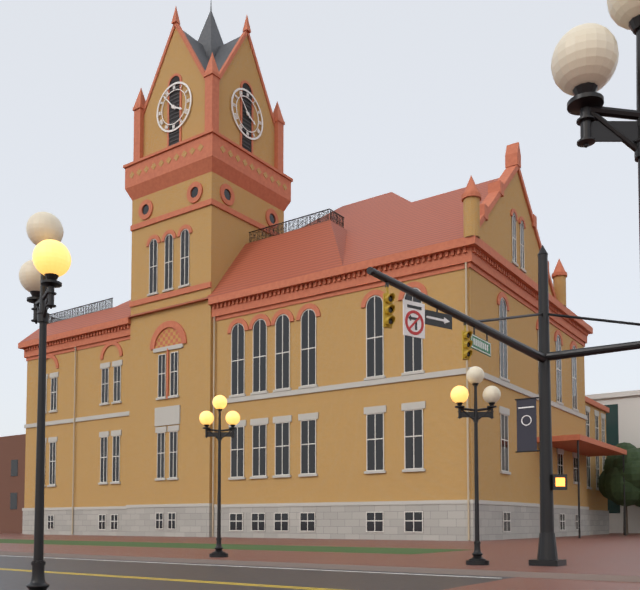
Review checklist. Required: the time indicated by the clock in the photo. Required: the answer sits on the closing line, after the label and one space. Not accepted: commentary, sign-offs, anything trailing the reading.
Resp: 3:53
